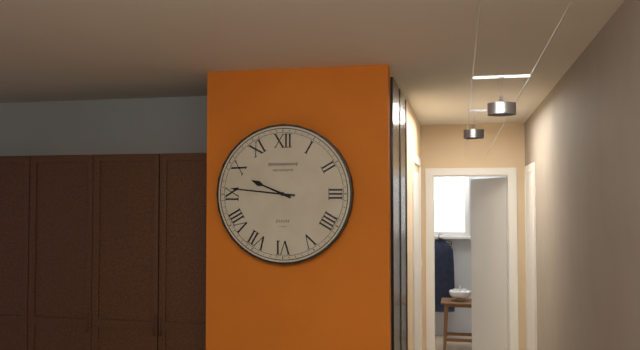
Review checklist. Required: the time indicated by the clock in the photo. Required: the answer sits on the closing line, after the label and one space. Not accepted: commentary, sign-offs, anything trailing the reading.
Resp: 9:46
